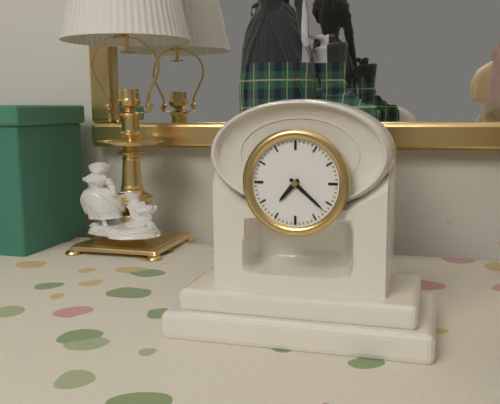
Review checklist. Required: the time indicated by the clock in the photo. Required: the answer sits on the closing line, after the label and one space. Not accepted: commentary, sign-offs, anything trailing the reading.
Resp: 7:22
